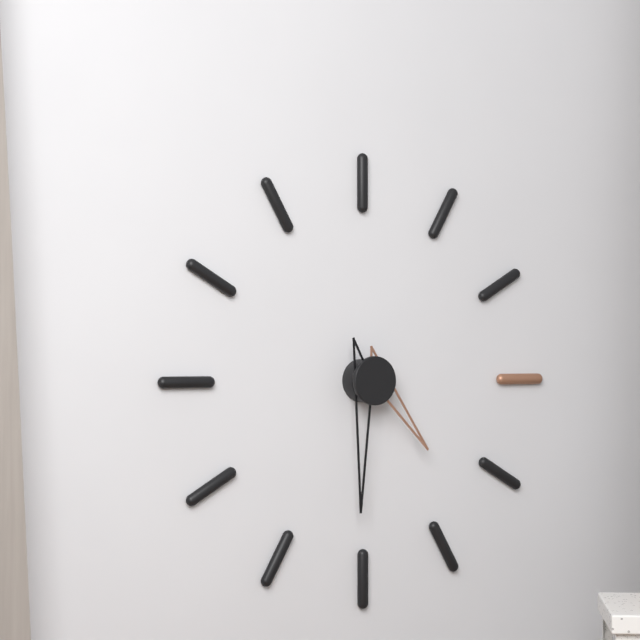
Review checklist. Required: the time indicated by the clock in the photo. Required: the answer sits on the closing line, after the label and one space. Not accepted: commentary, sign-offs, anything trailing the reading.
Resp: 4:31
